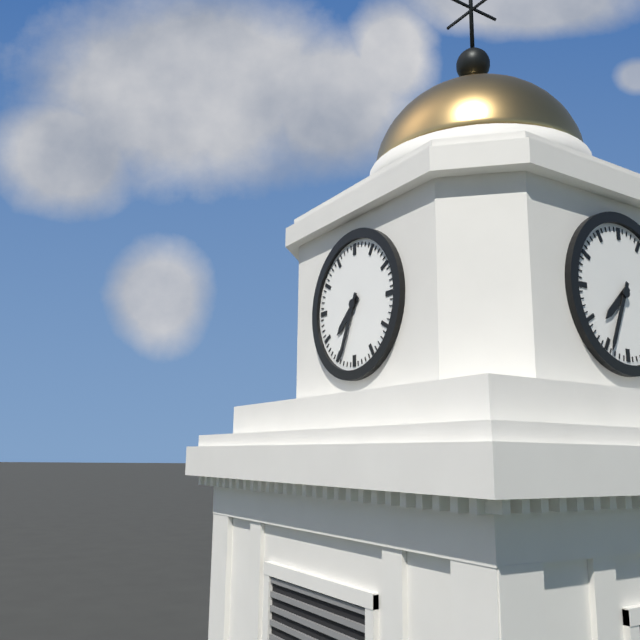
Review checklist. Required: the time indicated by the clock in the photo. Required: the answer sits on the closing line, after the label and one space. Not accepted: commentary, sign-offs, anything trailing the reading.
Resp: 7:34
